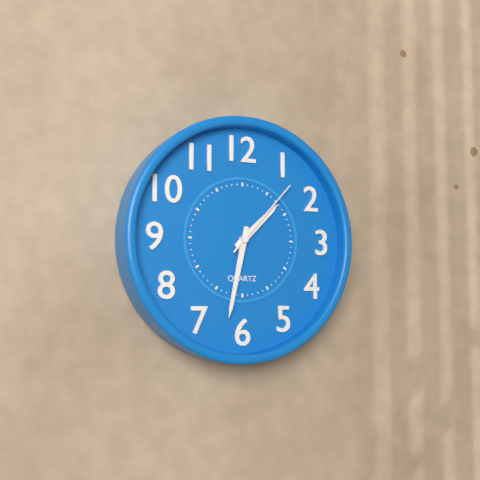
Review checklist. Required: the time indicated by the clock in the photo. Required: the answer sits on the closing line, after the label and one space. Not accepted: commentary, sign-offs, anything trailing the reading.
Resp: 1:32:07
